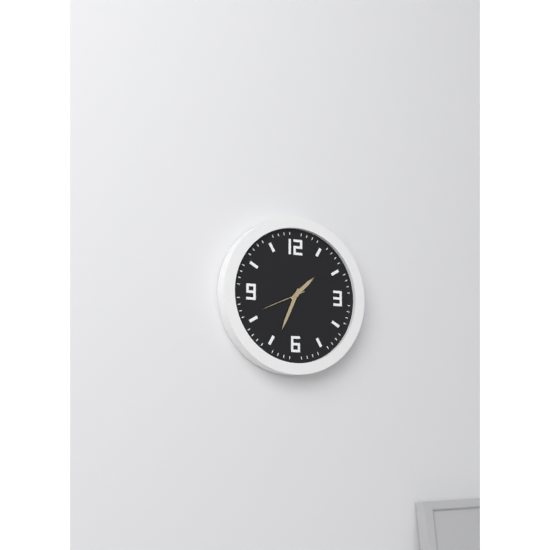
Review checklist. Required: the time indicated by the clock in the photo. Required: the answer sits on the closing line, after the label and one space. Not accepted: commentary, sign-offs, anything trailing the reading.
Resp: 1:34
